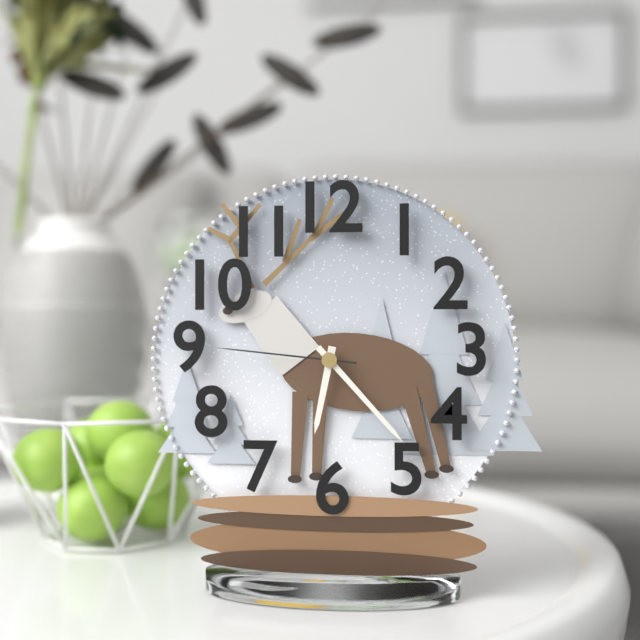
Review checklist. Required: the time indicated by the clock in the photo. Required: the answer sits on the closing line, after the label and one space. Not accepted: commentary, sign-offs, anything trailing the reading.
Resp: 6:23:46
